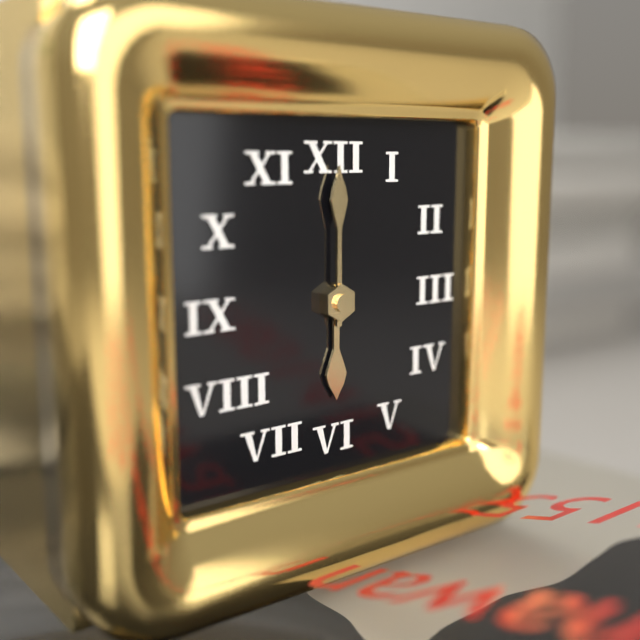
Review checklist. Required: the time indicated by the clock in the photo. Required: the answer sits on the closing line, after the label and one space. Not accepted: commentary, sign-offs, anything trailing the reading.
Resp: 6:00
